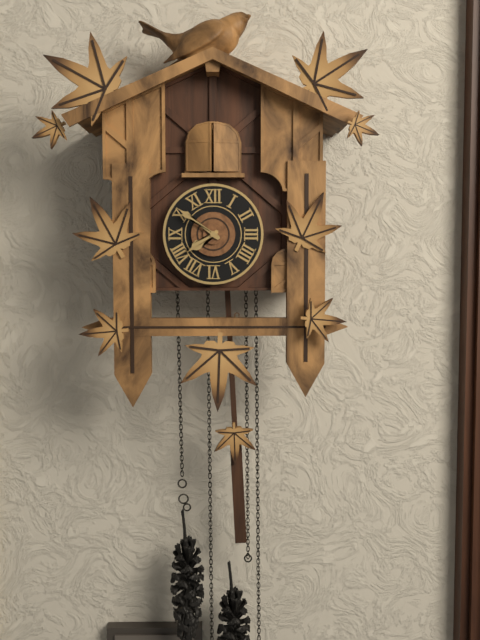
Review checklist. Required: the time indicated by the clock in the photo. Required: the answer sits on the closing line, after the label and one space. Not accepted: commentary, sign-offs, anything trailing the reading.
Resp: 7:51
